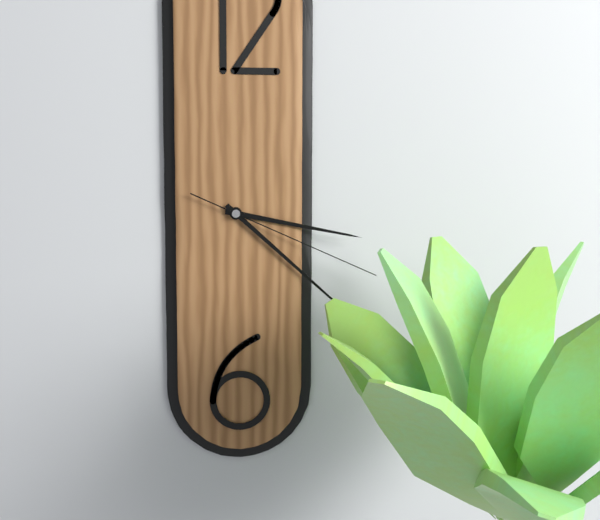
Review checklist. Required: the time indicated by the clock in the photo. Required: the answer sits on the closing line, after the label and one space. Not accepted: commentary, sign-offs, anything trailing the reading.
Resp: 3:22:19
